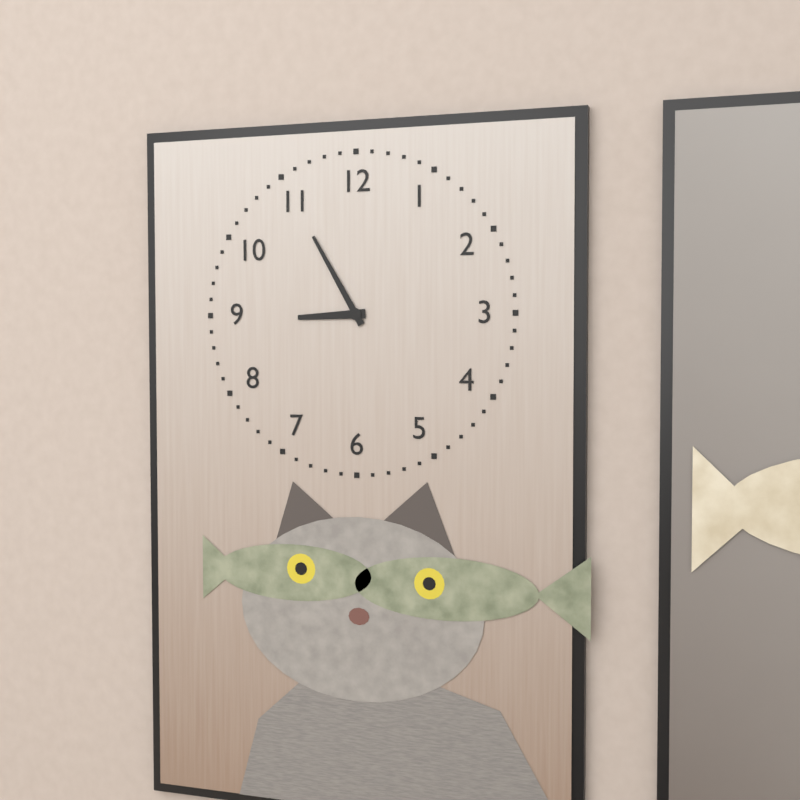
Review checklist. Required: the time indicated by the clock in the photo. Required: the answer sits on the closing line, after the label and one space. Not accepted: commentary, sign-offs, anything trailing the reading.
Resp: 8:55
